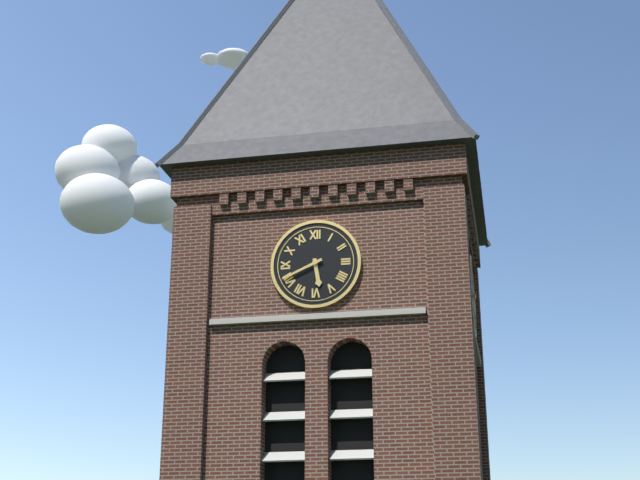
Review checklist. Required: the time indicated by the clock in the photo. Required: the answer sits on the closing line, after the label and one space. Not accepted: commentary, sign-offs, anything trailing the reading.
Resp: 5:41
